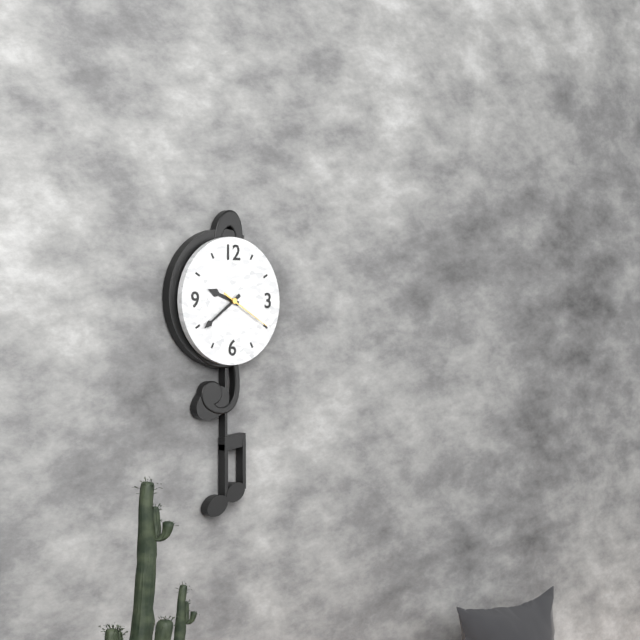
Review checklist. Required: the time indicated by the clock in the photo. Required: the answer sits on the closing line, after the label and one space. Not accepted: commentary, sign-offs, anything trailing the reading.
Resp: 9:39:20
